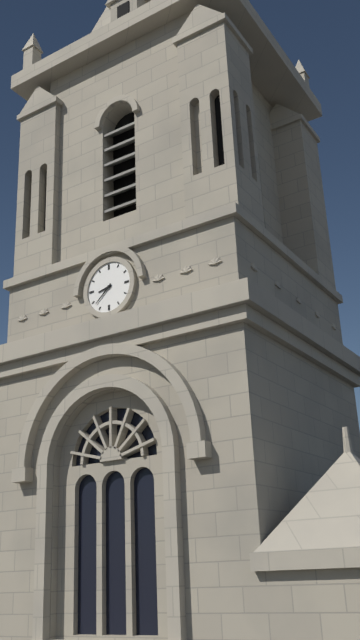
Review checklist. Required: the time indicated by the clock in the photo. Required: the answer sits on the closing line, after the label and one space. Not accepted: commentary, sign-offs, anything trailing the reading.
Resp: 8:38
